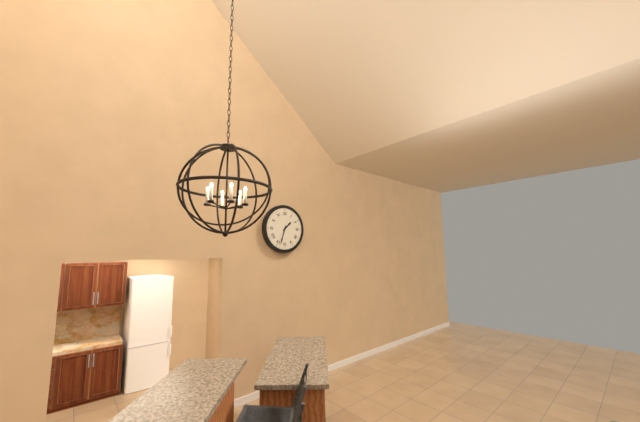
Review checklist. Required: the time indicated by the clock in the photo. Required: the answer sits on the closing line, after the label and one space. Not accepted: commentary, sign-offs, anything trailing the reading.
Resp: 1:33
